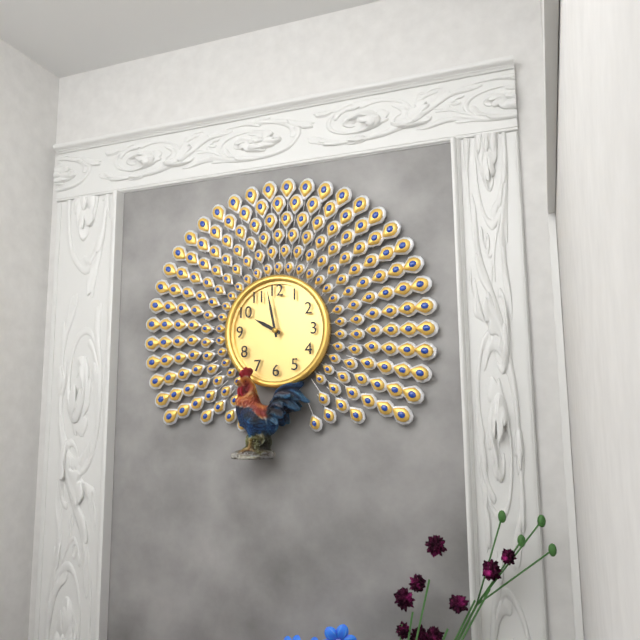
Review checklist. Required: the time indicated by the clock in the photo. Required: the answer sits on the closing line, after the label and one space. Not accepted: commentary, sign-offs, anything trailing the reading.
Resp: 9:58
